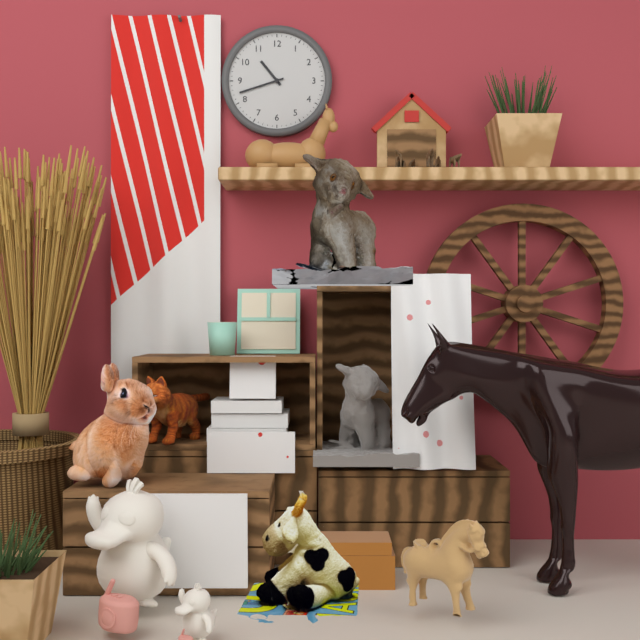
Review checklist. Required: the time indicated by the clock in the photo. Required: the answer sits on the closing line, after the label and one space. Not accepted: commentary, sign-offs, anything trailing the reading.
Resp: 10:42
